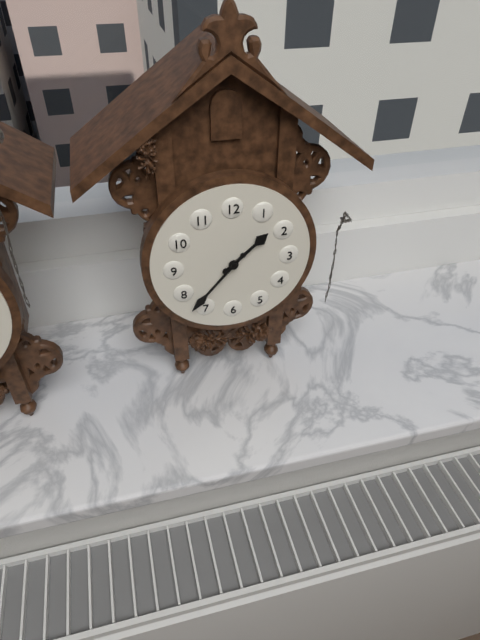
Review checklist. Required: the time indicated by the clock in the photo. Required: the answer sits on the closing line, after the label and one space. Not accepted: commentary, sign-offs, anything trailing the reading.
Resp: 1:37
